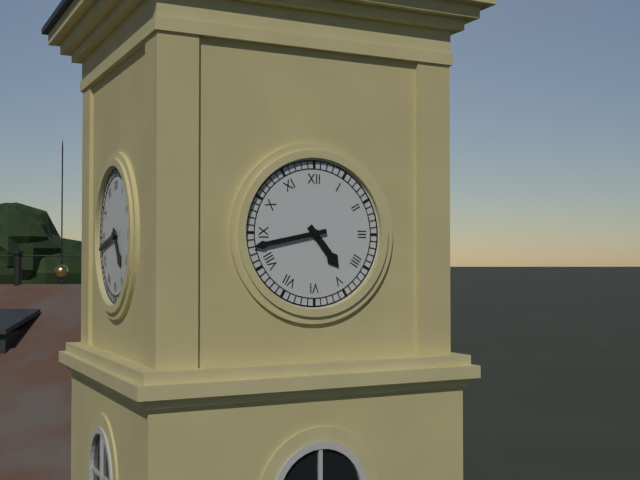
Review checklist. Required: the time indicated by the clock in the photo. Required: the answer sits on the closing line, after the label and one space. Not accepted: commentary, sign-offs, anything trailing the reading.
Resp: 4:43
